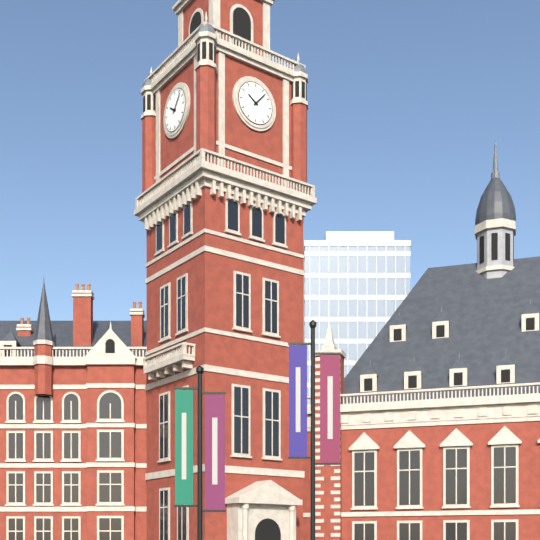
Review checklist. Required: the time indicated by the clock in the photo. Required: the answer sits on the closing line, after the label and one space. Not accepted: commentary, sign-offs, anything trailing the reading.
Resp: 10:07
